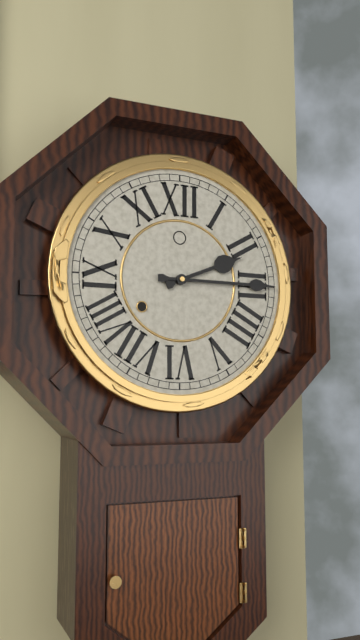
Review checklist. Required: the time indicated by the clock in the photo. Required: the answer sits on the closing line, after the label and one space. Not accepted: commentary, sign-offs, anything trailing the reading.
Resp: 2:15
